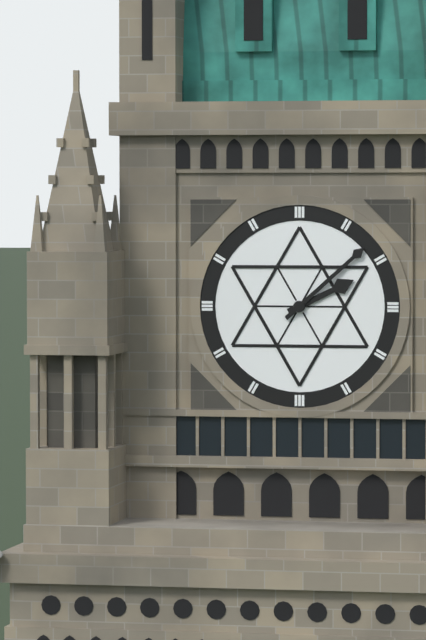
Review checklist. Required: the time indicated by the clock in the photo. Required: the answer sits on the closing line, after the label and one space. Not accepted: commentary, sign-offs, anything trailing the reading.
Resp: 2:08
